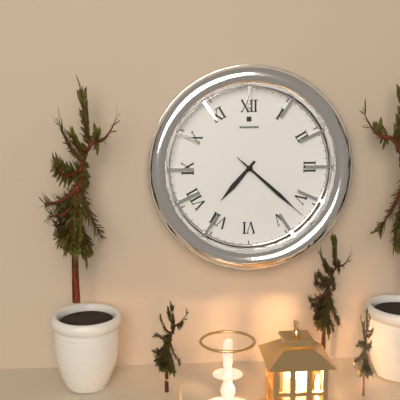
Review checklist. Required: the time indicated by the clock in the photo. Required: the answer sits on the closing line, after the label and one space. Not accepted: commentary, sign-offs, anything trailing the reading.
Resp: 7:22:22
